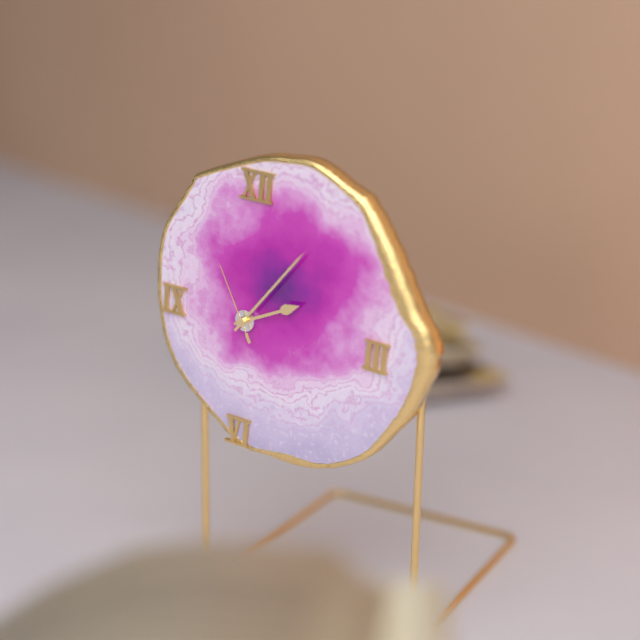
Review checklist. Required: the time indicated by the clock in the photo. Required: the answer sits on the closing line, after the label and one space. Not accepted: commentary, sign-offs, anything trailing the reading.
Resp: 2:06:55
